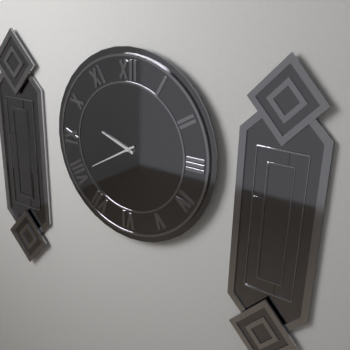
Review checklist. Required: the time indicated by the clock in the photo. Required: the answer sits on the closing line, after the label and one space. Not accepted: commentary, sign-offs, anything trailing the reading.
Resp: 9:40
